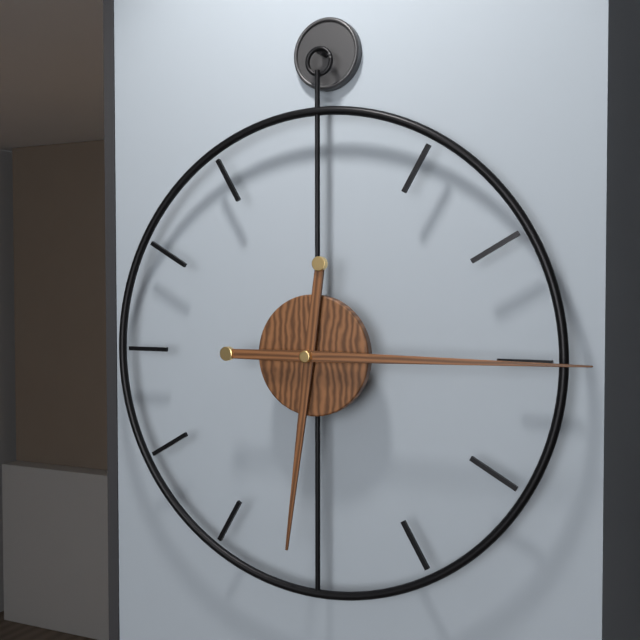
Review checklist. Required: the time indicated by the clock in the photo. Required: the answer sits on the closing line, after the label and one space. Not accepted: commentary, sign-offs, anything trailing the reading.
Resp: 6:15
